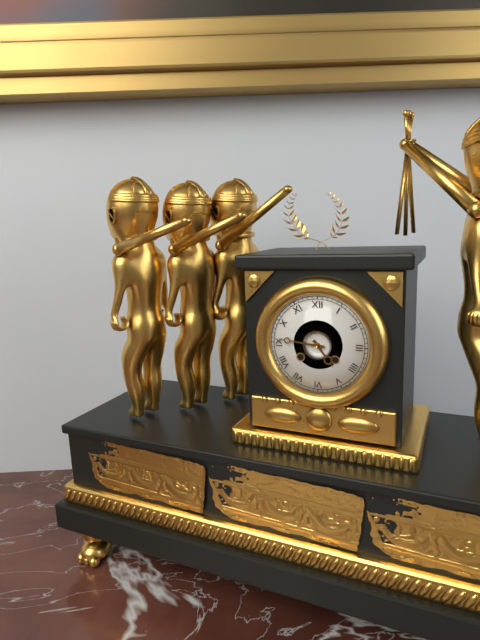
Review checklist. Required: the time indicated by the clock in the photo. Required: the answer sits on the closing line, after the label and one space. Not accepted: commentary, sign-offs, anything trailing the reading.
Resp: 4:46
